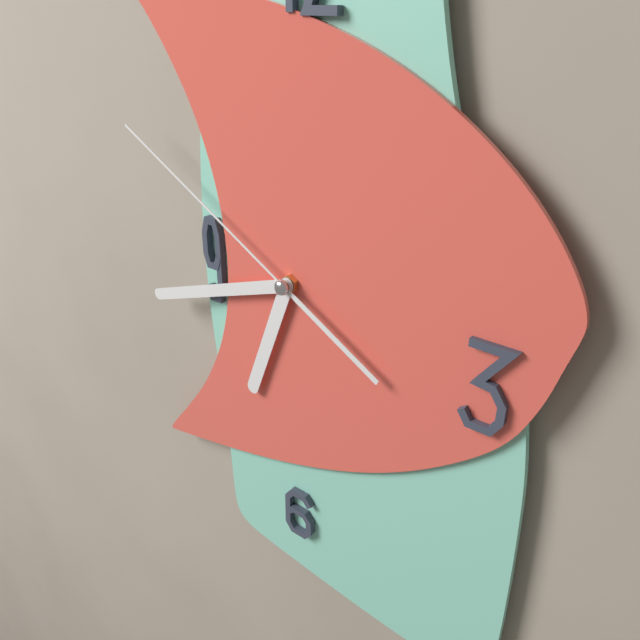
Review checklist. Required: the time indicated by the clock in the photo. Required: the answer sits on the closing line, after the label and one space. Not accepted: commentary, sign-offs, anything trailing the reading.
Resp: 6:42:50
